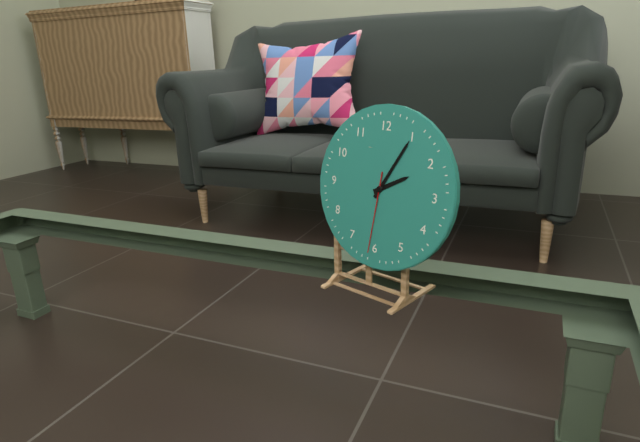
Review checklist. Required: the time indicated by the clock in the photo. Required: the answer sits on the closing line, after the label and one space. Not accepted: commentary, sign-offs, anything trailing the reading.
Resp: 2:05:31
